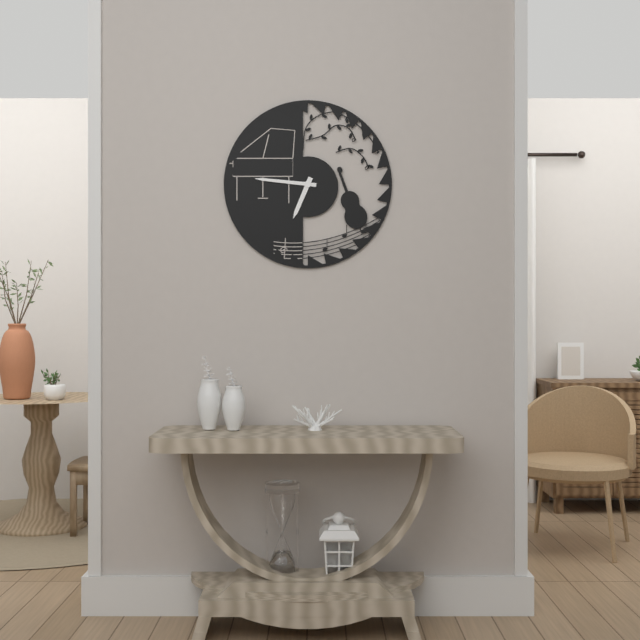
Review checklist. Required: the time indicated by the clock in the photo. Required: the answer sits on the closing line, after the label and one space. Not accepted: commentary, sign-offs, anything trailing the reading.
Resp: 6:46
